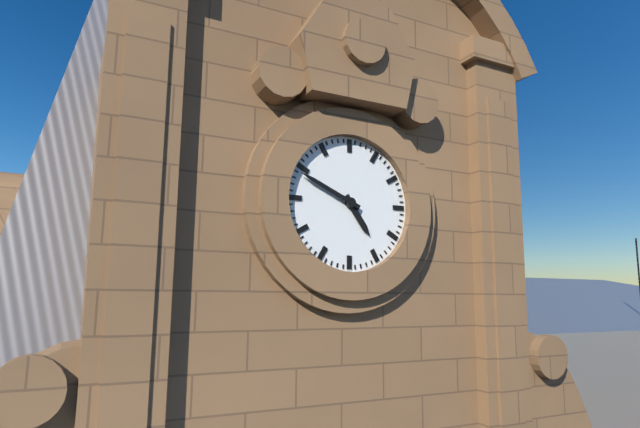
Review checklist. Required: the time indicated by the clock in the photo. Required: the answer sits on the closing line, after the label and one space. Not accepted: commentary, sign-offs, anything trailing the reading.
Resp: 4:49
